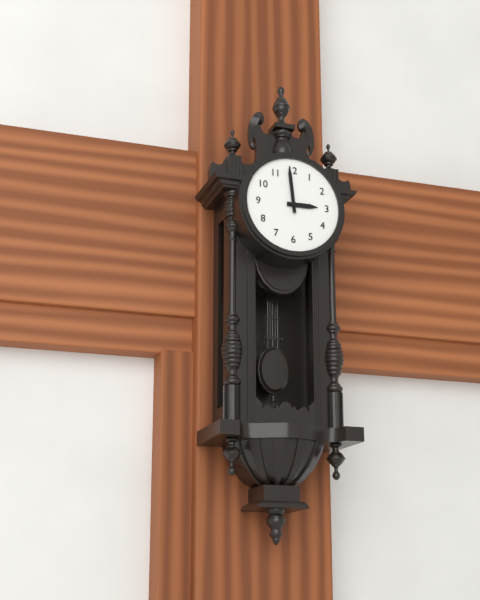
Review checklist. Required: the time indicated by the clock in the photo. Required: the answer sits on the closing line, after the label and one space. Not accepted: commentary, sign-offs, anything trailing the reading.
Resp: 2:59
